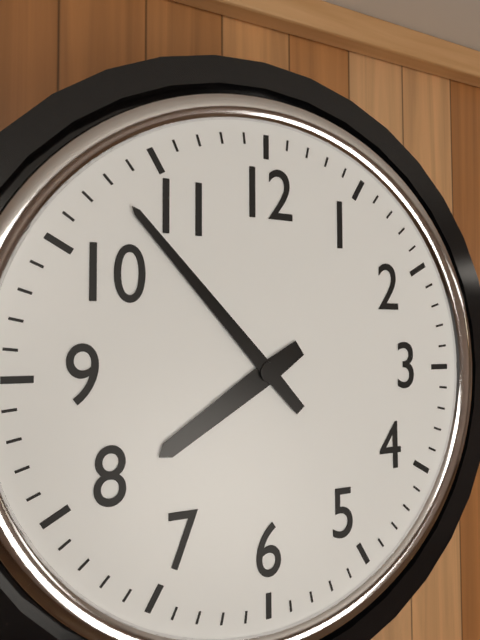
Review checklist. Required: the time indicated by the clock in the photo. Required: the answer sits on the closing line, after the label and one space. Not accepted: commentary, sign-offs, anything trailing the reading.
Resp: 7:53
